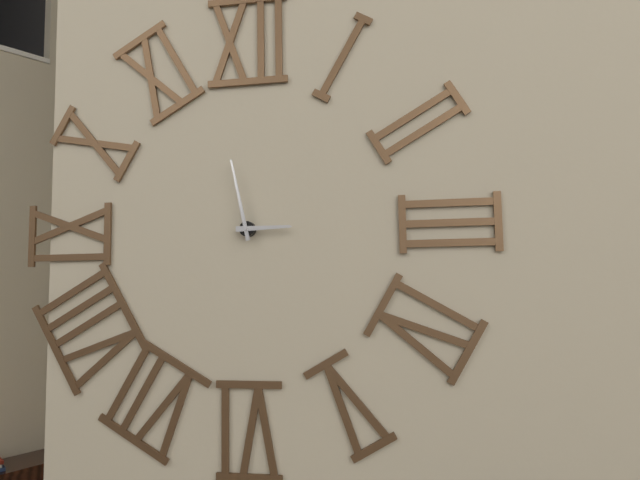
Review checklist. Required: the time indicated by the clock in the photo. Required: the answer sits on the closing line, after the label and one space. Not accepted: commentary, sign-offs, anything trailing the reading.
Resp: 2:58
